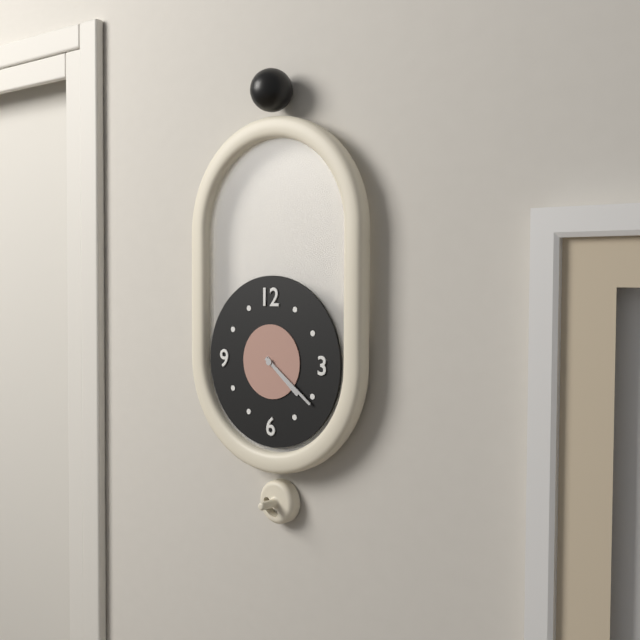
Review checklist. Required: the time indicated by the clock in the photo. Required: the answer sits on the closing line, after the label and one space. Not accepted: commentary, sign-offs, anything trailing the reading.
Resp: 4:21
